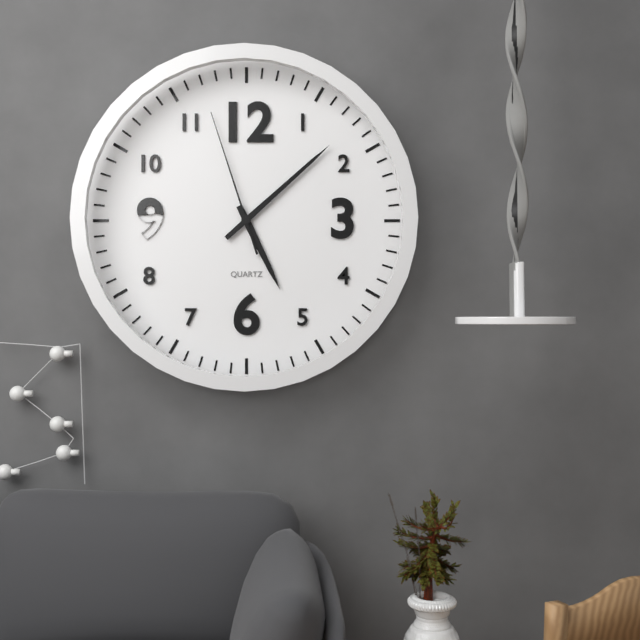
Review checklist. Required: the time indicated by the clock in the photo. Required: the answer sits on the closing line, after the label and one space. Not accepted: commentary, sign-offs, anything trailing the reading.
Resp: 5:08:57
